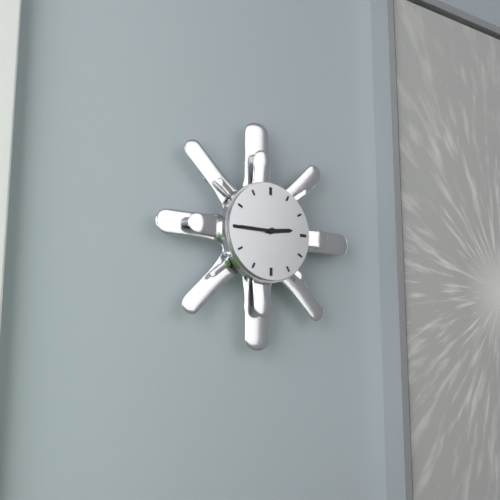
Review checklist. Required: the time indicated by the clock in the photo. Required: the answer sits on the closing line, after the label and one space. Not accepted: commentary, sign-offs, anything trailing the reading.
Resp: 2:45
